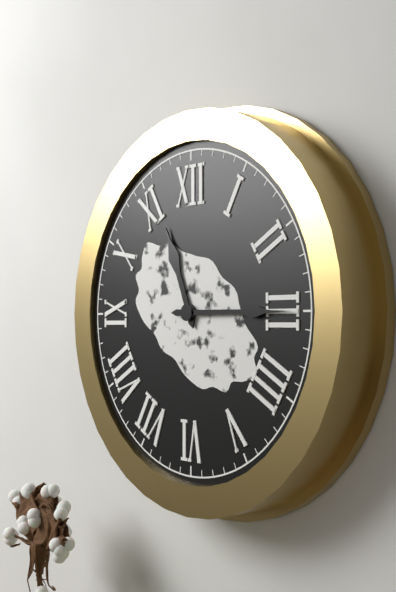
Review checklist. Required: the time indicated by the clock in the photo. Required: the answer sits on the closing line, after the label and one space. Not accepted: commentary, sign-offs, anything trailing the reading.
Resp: 11:15
